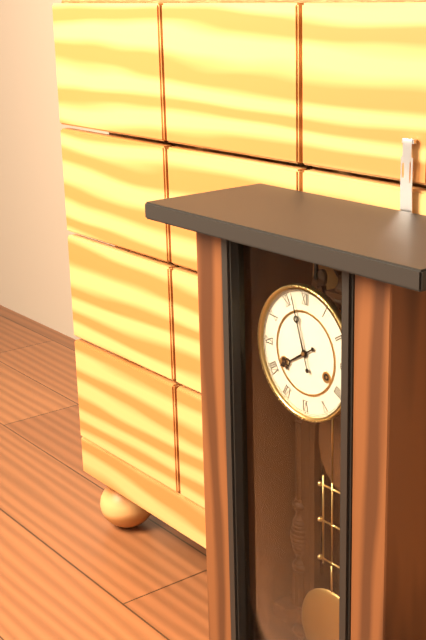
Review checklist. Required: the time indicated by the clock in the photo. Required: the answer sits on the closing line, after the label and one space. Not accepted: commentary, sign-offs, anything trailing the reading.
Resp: 7:57
